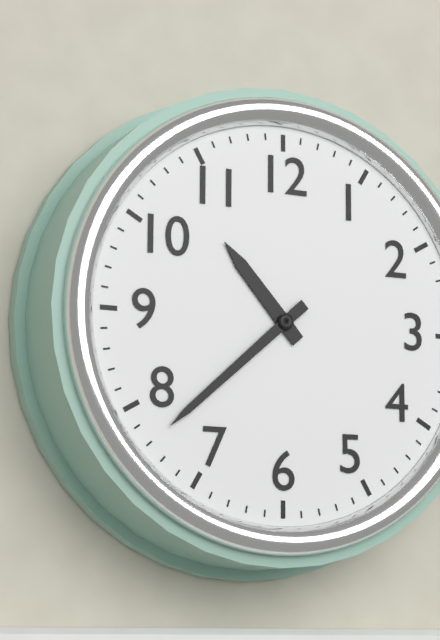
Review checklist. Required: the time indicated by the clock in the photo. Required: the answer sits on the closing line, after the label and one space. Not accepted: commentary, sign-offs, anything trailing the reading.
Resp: 10:38
